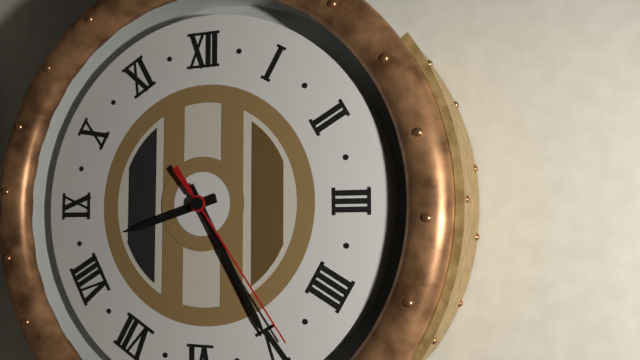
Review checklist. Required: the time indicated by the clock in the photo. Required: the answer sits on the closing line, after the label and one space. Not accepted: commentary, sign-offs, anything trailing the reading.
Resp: 8:25:24
